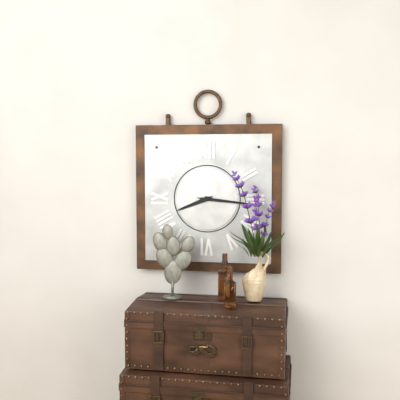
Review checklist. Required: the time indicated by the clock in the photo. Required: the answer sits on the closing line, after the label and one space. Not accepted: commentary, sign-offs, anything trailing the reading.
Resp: 8:16
